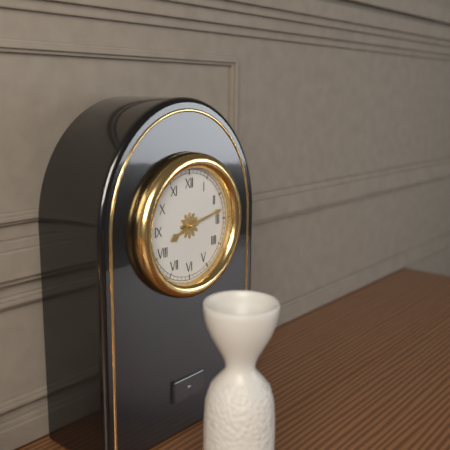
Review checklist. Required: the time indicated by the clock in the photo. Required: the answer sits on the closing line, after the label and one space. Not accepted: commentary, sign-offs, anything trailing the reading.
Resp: 8:13
